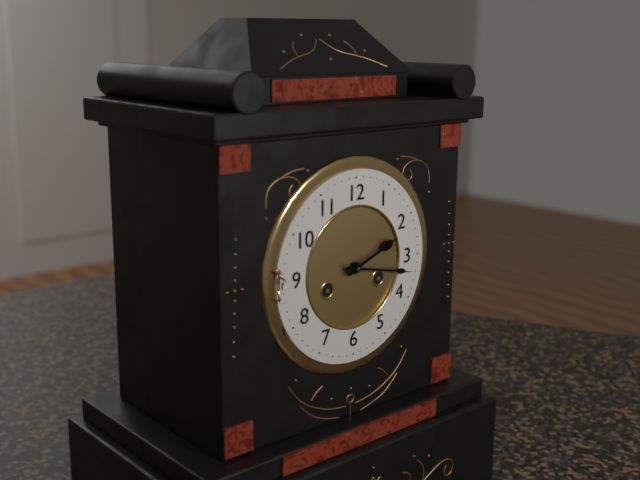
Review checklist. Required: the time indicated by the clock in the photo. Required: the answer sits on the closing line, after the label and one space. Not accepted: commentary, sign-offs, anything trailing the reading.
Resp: 2:17
